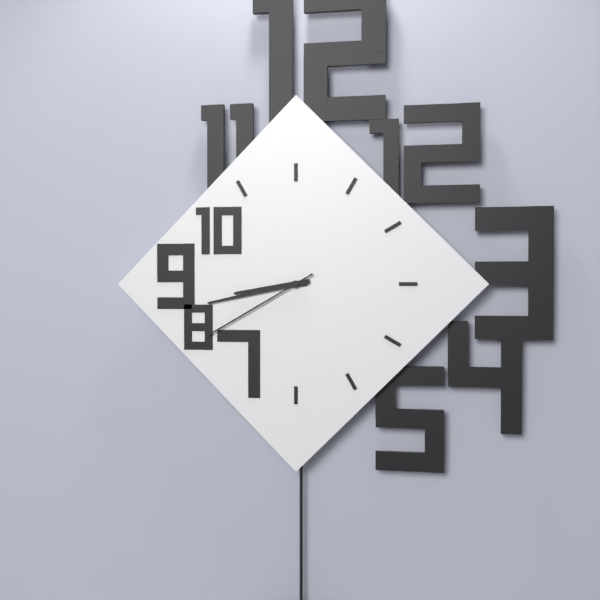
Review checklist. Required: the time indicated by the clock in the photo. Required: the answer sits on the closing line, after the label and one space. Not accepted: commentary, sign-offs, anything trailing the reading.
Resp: 8:43:40
